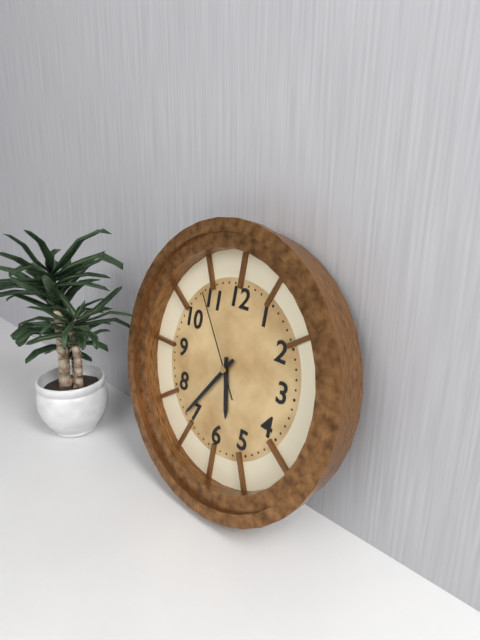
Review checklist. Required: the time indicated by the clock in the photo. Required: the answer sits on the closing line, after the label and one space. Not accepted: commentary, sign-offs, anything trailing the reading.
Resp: 5:36:54
